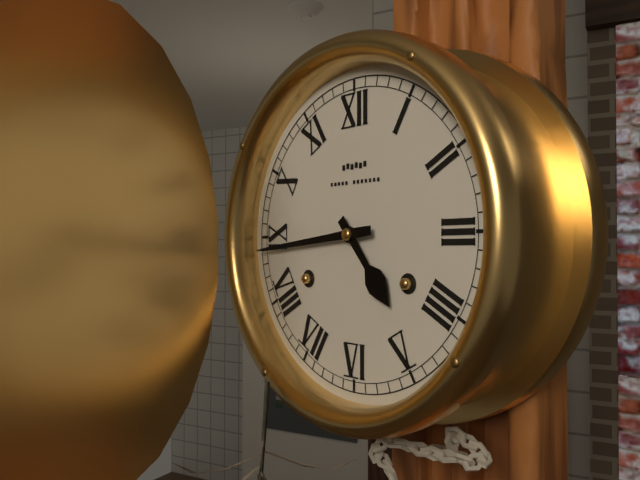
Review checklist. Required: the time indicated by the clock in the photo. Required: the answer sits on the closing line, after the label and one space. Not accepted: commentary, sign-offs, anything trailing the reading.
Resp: 4:44
